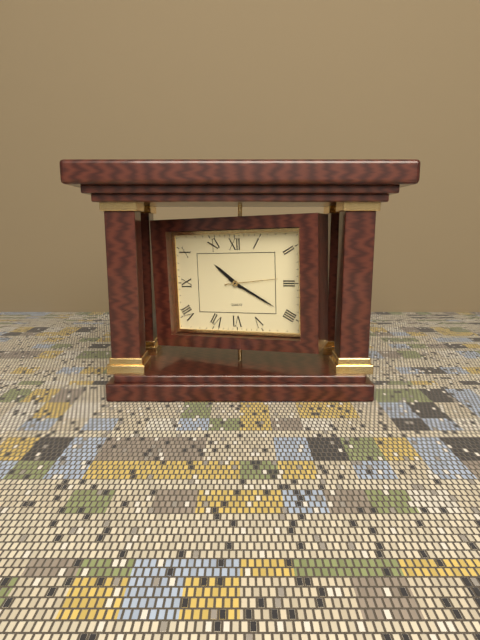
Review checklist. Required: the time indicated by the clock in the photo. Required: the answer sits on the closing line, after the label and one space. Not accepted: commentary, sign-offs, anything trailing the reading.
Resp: 10:20:14
